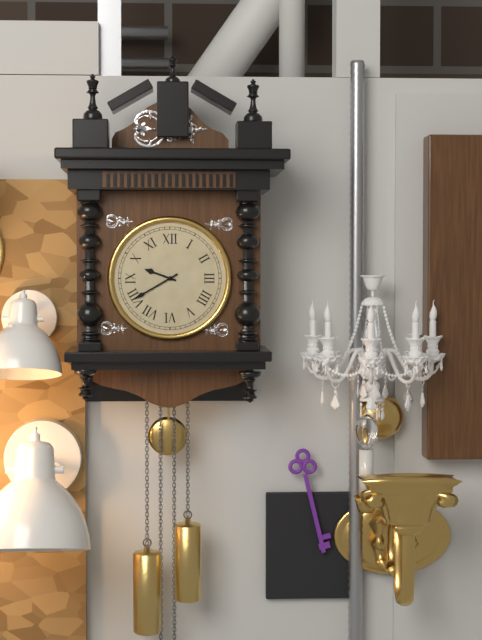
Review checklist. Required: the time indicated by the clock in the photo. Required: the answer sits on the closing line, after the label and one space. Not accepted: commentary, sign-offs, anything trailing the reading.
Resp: 9:40
